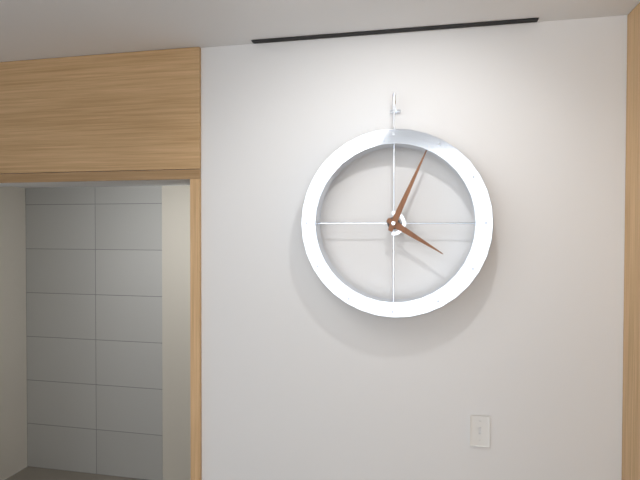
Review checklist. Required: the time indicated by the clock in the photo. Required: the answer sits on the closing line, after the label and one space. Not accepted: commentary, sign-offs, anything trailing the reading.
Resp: 4:04
